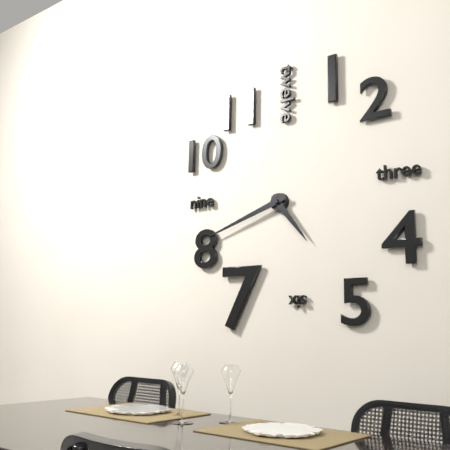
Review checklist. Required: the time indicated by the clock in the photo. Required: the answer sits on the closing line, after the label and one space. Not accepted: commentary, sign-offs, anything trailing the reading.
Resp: 4:42
